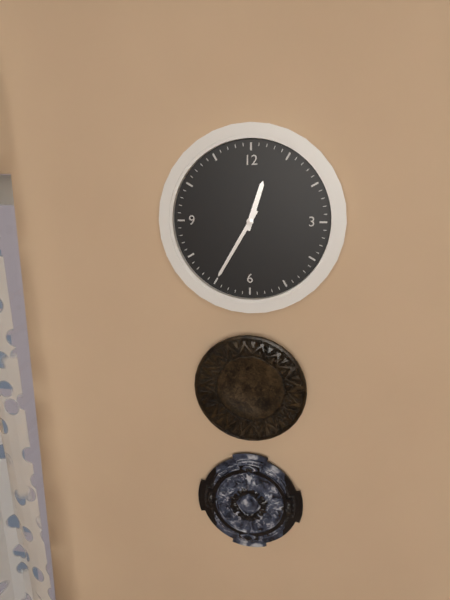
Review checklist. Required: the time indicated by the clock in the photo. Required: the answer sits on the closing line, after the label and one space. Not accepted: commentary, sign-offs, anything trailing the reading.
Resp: 12:35
